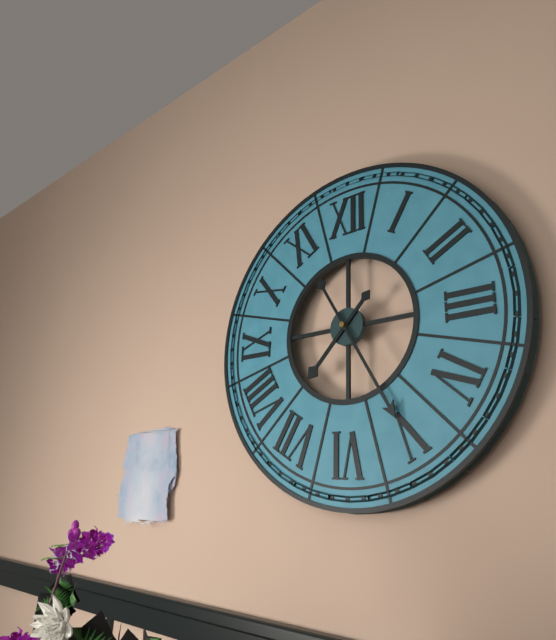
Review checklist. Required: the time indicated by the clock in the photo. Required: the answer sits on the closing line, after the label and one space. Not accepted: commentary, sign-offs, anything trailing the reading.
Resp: 7:25
